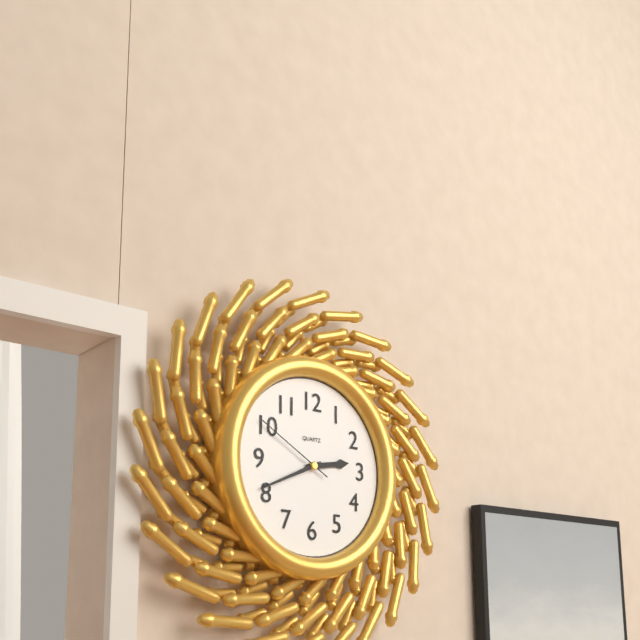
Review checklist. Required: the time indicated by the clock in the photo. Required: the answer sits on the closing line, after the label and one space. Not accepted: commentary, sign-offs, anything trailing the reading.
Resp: 2:41:50
